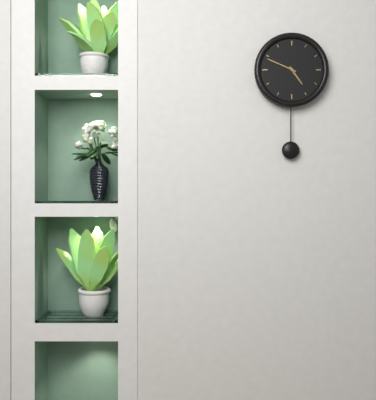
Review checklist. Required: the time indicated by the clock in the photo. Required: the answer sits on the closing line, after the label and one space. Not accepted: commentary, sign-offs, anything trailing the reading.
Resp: 4:49
